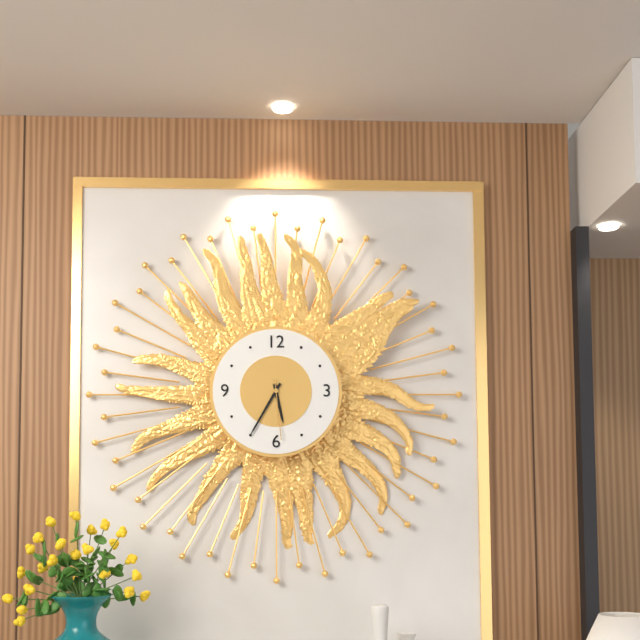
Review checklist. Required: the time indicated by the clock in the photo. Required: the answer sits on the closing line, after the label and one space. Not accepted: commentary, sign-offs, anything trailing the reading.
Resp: 5:35:29
